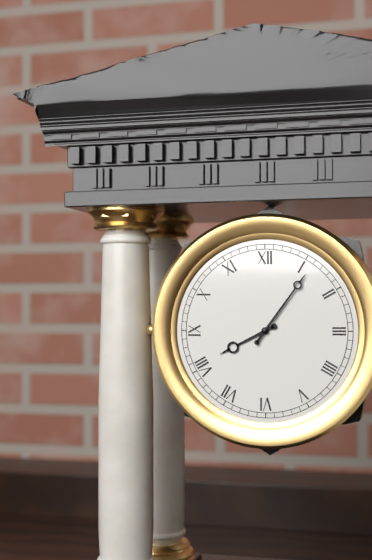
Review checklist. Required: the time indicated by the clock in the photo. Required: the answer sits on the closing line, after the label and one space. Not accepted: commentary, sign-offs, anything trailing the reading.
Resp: 8:06
